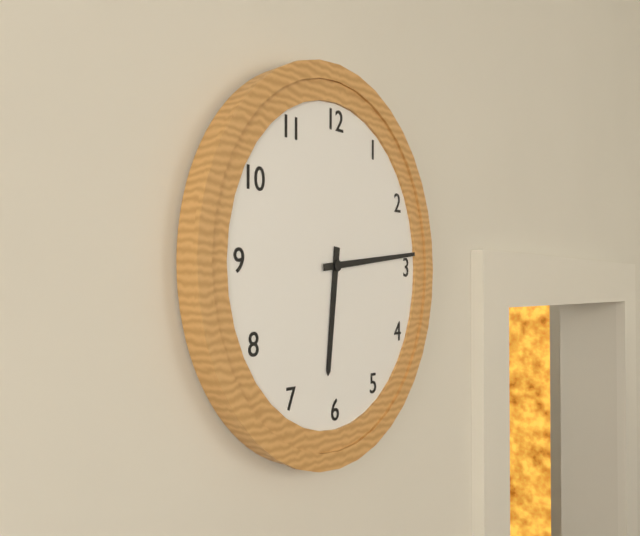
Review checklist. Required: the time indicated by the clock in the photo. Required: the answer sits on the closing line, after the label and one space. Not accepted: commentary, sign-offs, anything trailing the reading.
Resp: 6:14
